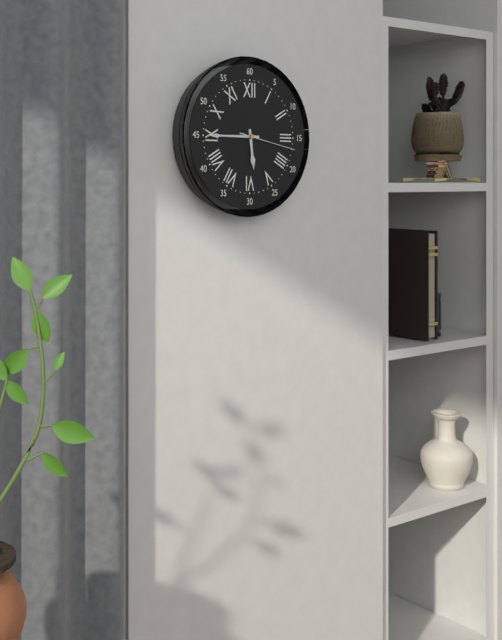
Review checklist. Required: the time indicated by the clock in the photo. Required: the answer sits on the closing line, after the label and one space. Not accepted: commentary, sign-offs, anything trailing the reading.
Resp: 5:45:17
